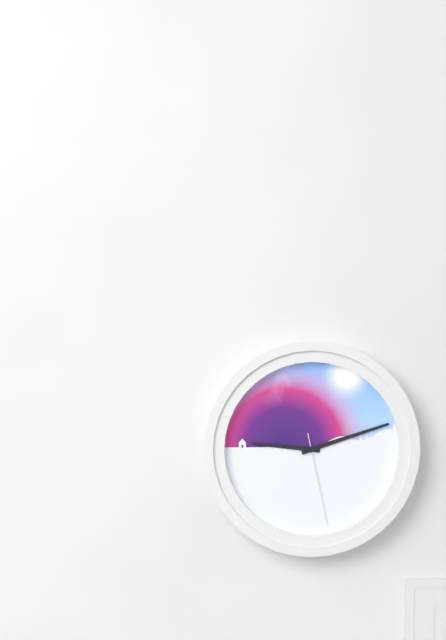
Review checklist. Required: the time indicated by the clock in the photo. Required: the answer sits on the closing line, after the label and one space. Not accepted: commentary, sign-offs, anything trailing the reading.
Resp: 9:12:28
